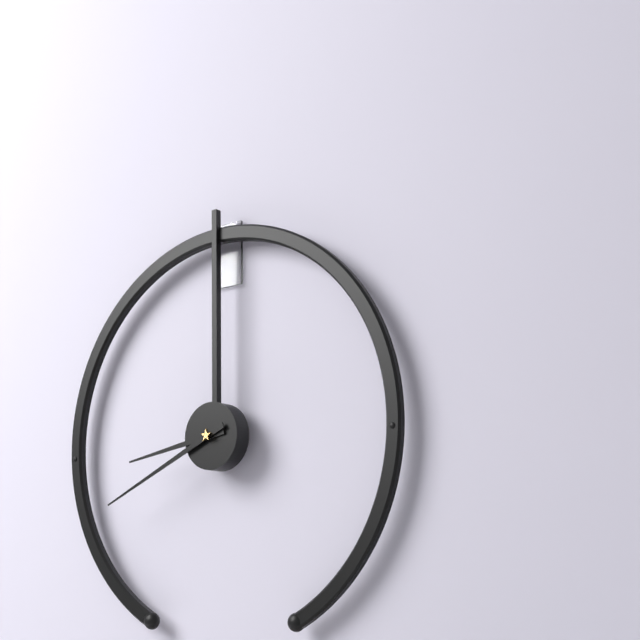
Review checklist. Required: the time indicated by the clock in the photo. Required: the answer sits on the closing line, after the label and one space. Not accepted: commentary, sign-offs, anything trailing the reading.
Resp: 8:41
